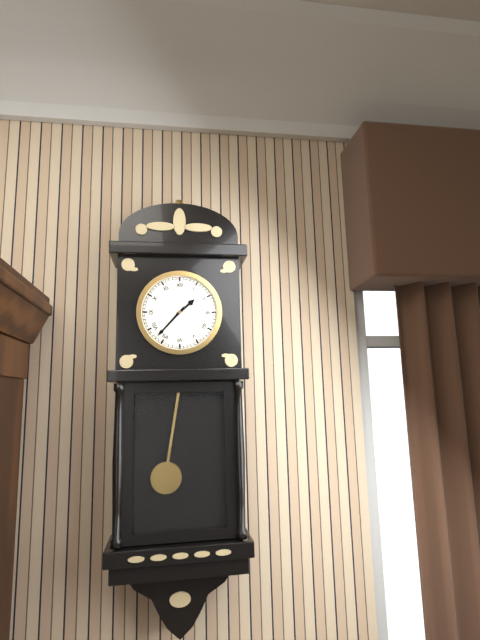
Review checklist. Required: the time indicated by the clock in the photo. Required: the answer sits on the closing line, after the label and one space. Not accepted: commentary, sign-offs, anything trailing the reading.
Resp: 1:37
